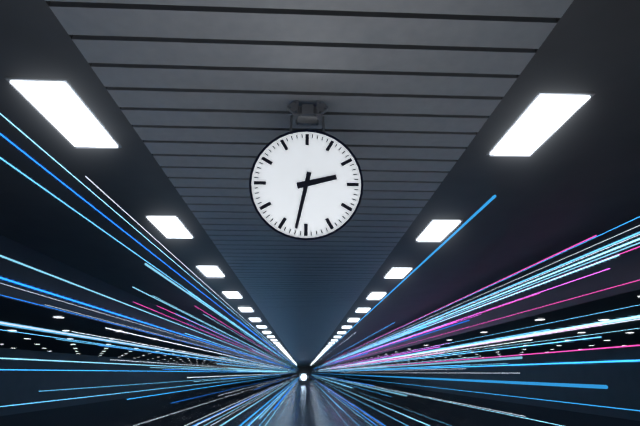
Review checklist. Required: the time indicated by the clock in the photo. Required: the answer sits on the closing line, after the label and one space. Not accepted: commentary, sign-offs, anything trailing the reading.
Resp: 2:32
